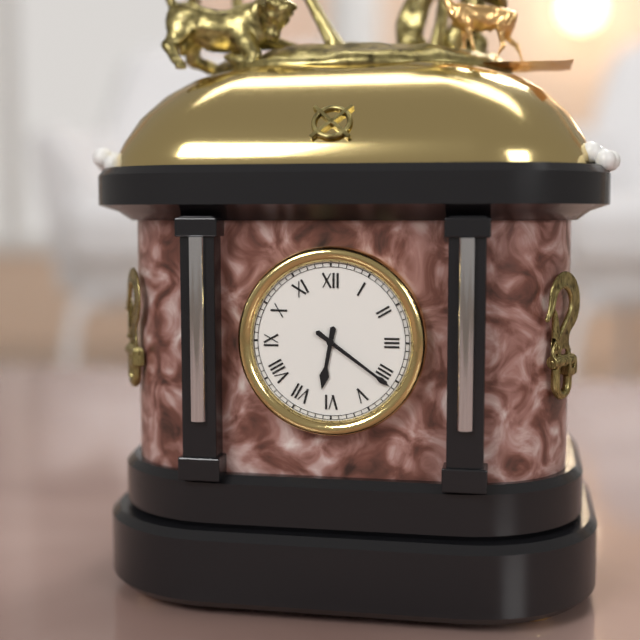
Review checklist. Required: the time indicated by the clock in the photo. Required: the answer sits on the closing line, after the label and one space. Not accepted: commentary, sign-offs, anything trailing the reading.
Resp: 6:21
